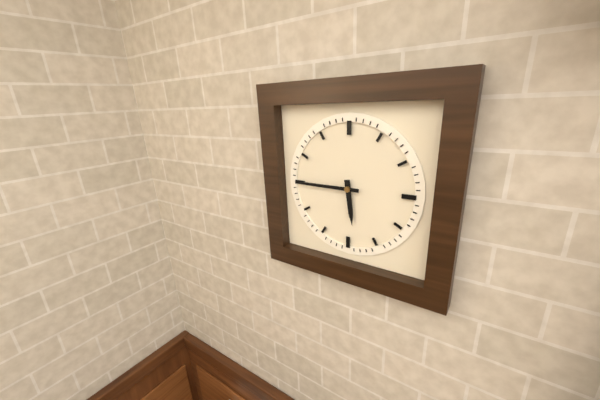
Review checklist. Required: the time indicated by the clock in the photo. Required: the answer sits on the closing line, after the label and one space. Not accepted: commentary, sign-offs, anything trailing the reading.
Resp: 5:45
